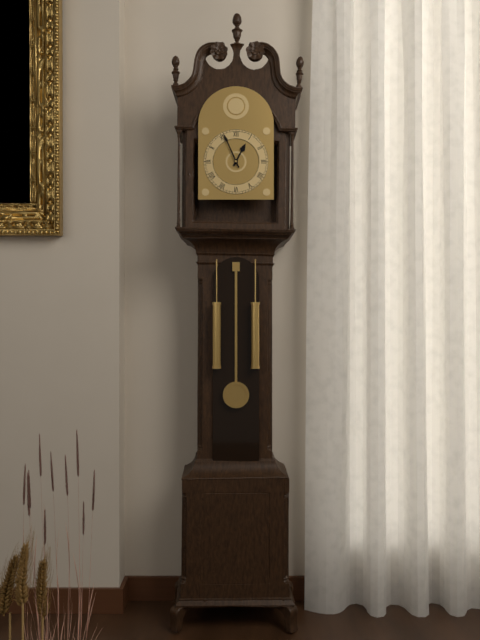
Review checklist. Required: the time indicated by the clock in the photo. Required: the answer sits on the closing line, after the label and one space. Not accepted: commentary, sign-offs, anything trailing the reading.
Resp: 12:56
